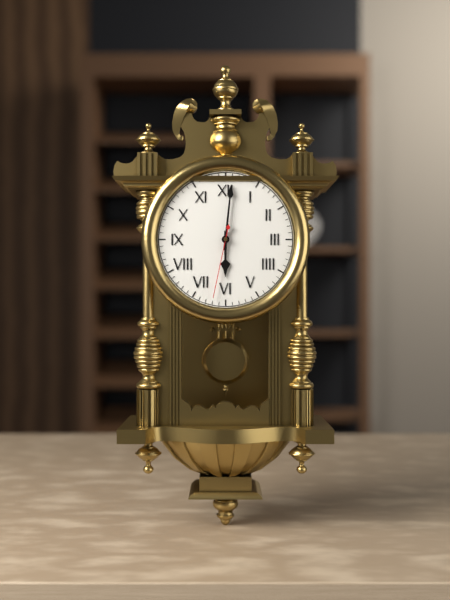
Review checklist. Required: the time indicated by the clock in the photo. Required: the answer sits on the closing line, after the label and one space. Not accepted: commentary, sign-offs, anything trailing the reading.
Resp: 6:01:32
